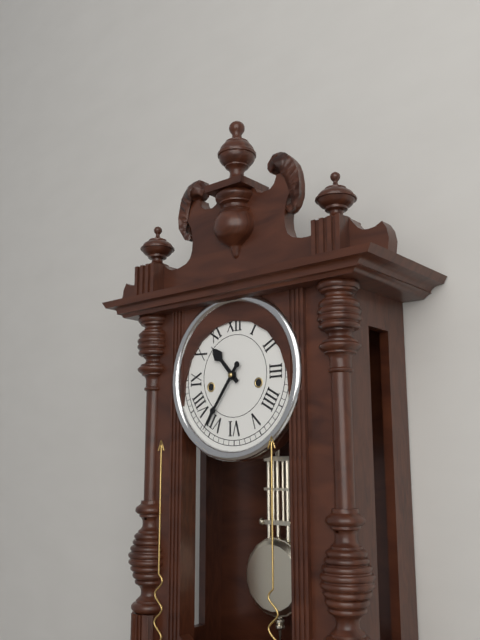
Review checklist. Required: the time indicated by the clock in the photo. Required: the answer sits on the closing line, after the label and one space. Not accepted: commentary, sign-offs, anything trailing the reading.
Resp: 10:36
